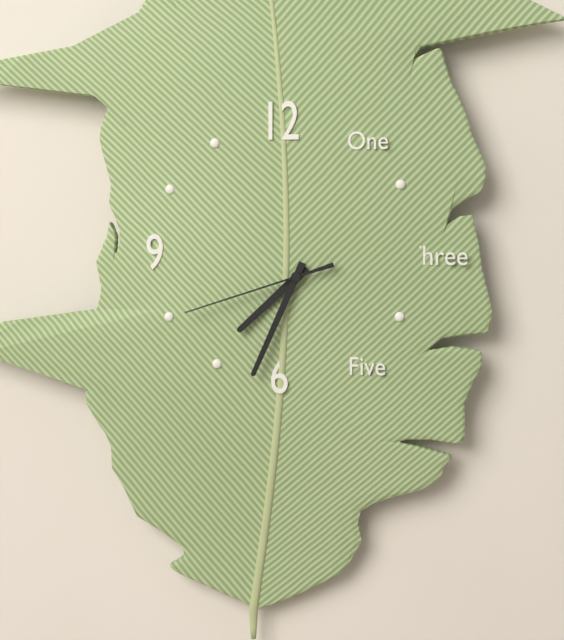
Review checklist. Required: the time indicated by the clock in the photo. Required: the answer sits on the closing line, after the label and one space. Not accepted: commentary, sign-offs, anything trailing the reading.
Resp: 7:34:42
